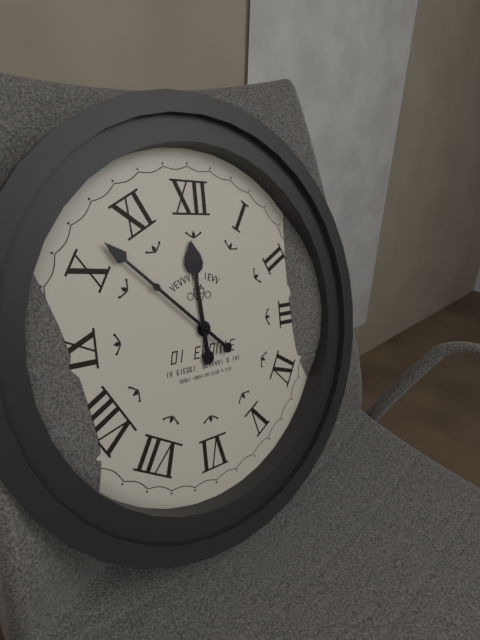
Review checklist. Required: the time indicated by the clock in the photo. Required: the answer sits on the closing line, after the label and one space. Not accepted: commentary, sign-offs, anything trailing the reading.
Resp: 11:52
